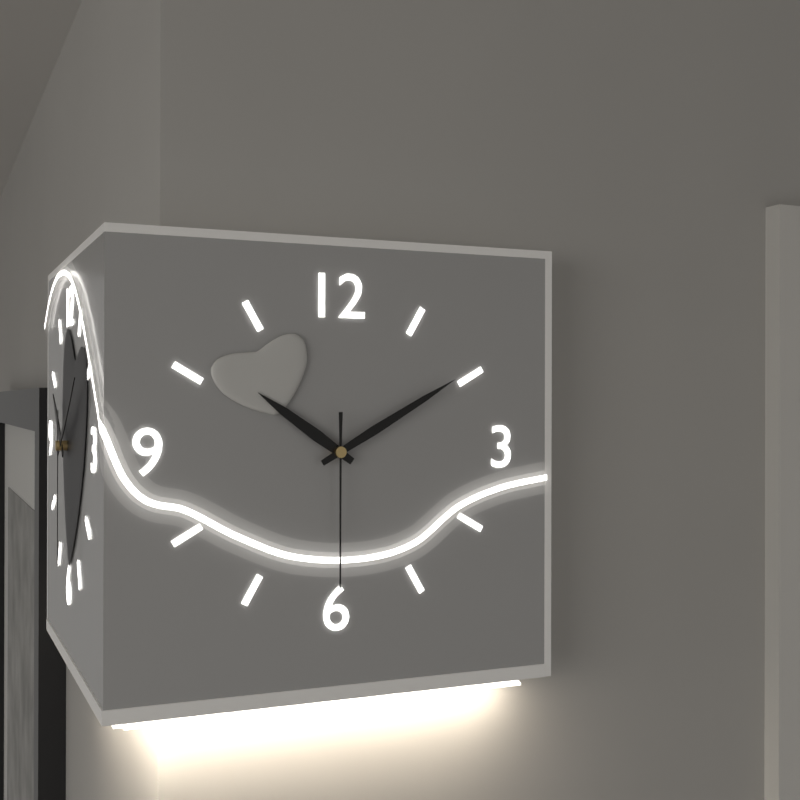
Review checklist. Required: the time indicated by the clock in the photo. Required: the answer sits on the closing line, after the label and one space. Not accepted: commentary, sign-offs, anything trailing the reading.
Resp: 10:10:30
